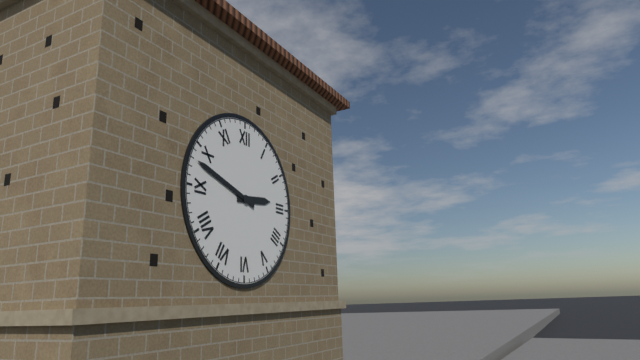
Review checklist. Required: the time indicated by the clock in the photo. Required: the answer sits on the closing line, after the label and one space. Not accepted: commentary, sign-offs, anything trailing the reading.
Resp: 2:48
